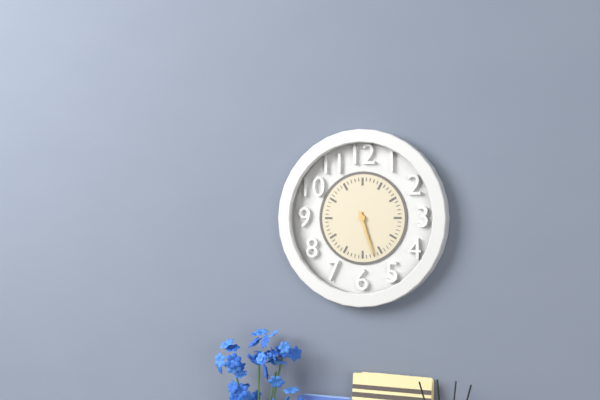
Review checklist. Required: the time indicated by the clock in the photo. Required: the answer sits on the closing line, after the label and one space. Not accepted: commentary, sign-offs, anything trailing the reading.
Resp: 5:27
